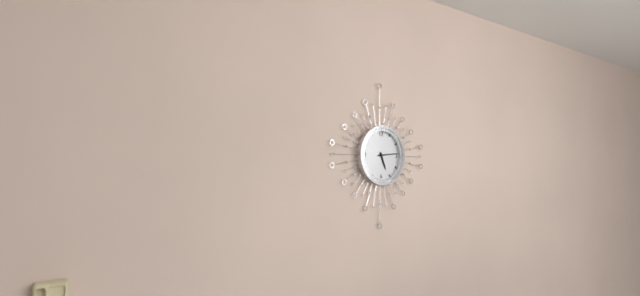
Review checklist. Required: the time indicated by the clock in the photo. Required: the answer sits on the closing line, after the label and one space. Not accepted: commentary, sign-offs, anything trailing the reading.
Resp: 5:14
